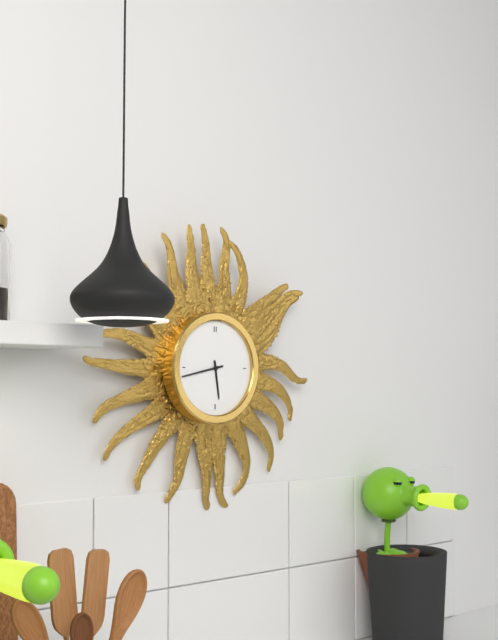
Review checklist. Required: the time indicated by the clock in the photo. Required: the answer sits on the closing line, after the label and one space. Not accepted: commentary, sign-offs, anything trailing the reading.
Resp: 5:43
